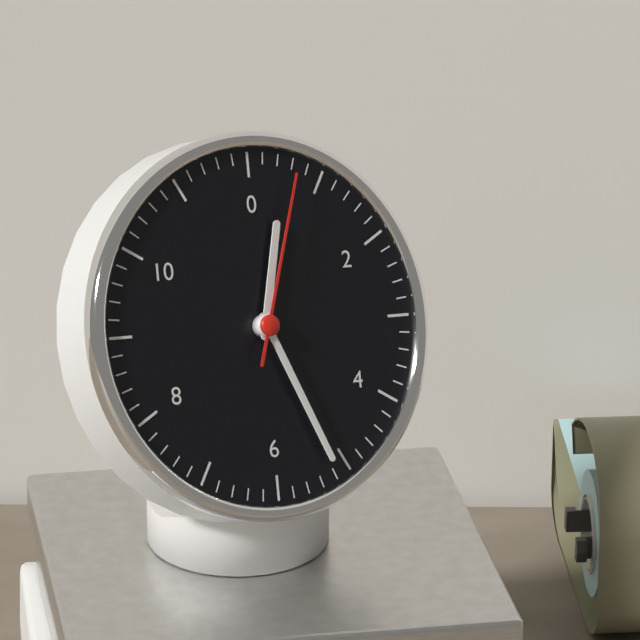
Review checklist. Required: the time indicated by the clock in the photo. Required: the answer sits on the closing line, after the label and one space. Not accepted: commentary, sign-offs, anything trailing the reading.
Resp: 12:26:03
